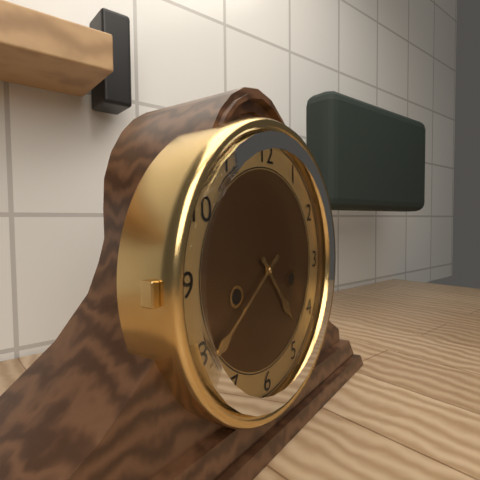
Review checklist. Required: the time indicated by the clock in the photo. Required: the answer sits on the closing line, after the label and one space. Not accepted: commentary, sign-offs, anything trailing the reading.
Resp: 4:39
